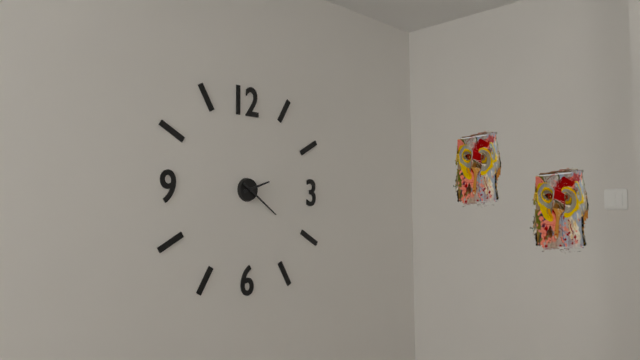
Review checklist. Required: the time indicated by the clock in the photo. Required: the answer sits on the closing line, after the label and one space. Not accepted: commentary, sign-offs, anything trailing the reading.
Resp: 2:21
